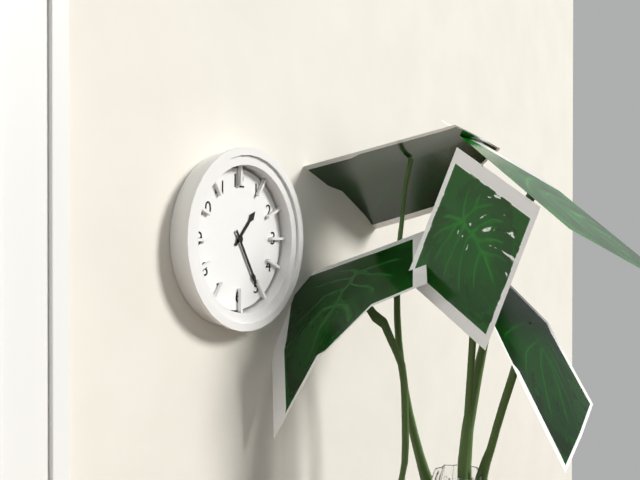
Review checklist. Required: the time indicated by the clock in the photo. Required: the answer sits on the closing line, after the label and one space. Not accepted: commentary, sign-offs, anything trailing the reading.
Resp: 1:25
